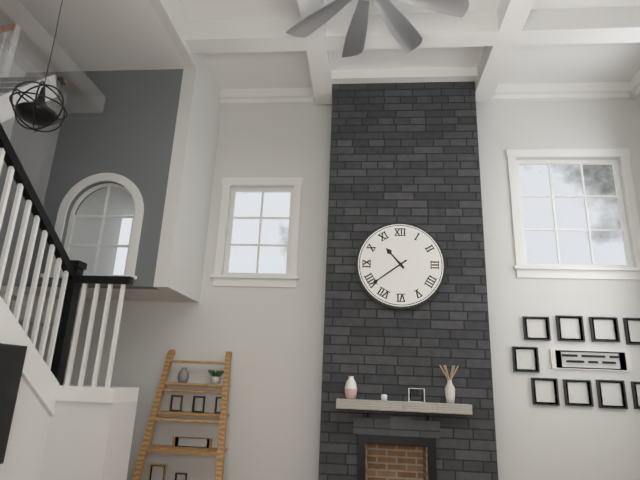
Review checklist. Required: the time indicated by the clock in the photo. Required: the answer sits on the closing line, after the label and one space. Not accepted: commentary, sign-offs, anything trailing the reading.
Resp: 10:39
